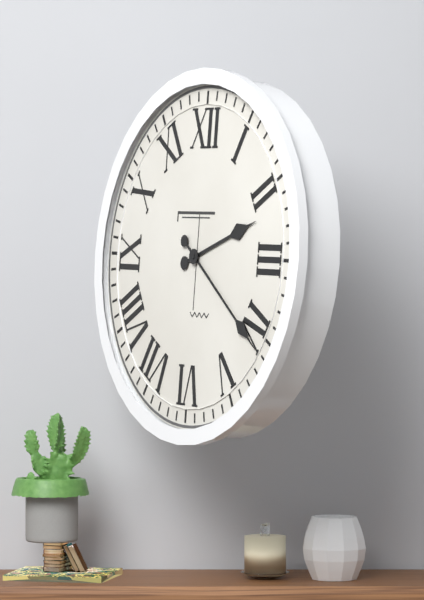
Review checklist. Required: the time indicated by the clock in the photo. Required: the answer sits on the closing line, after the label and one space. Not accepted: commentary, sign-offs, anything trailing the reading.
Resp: 2:21
